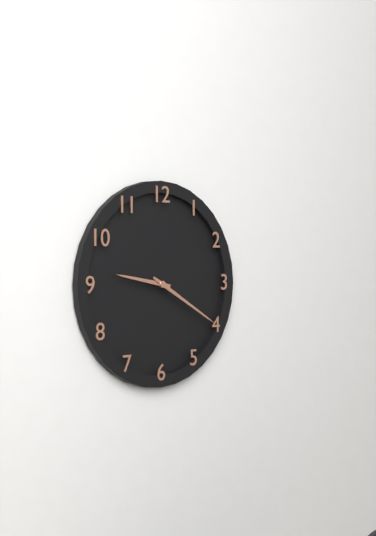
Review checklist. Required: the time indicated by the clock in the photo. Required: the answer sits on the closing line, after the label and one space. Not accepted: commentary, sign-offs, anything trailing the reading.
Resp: 9:20
